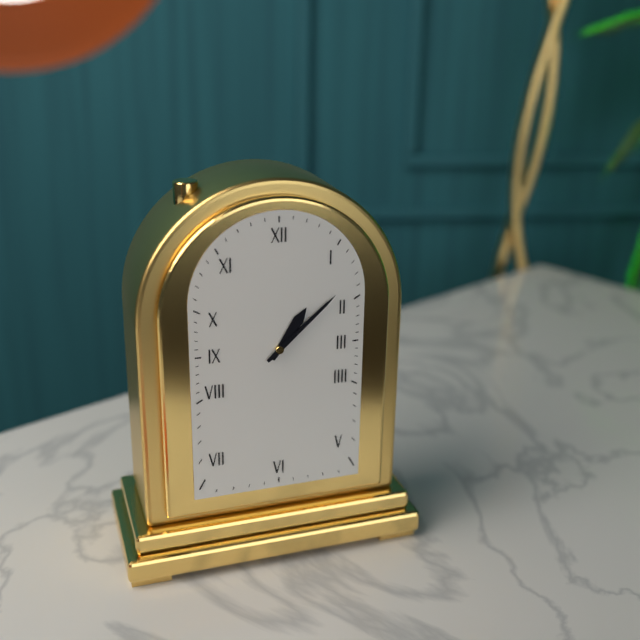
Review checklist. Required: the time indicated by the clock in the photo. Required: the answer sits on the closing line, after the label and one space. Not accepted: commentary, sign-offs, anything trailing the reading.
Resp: 1:08
